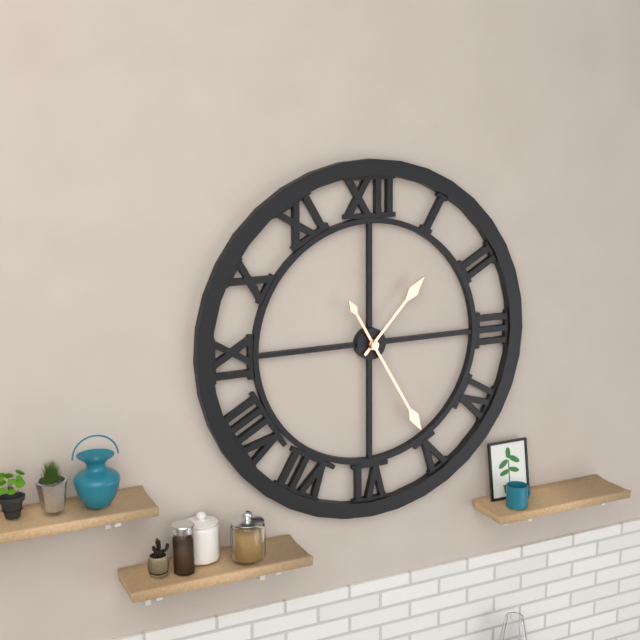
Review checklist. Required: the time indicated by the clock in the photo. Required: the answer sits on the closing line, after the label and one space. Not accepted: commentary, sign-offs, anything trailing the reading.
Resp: 1:25
